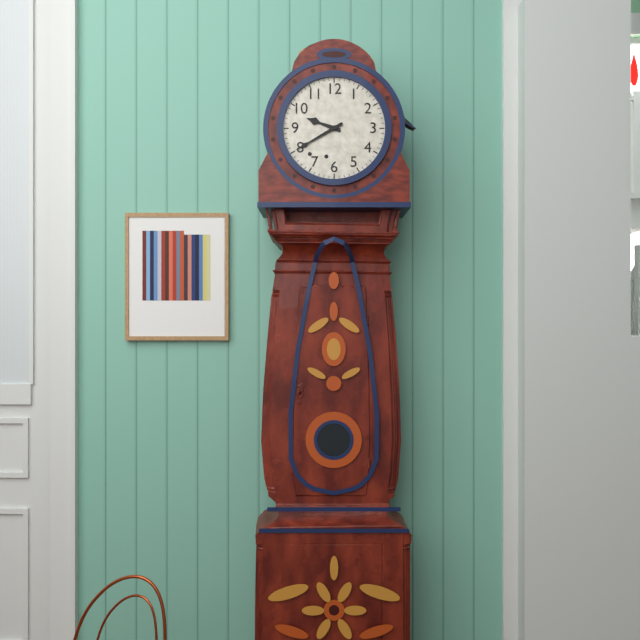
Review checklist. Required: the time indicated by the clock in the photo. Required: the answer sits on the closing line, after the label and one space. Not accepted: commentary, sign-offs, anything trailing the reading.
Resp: 9:40
